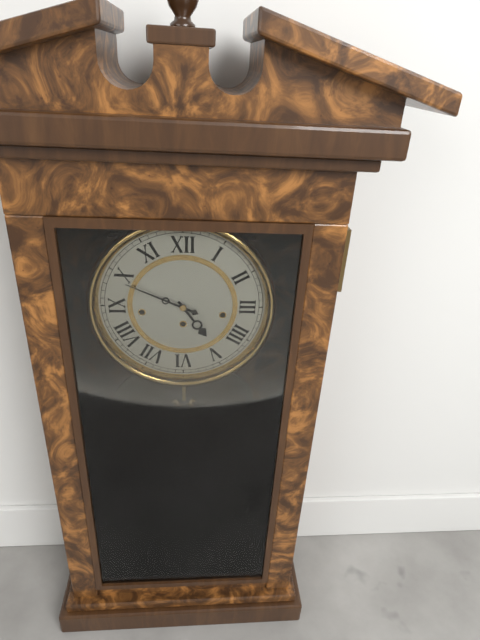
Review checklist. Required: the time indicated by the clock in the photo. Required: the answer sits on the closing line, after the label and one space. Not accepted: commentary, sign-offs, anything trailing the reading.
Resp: 4:49
